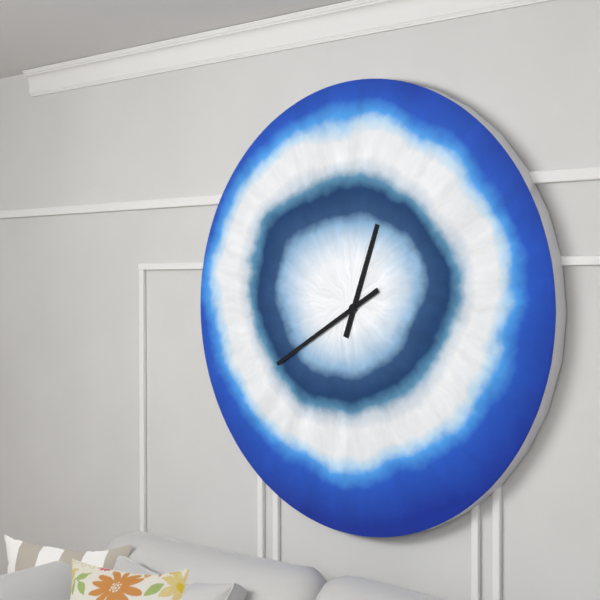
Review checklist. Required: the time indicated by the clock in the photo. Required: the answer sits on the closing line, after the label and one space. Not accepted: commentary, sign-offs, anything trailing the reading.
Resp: 12:40
